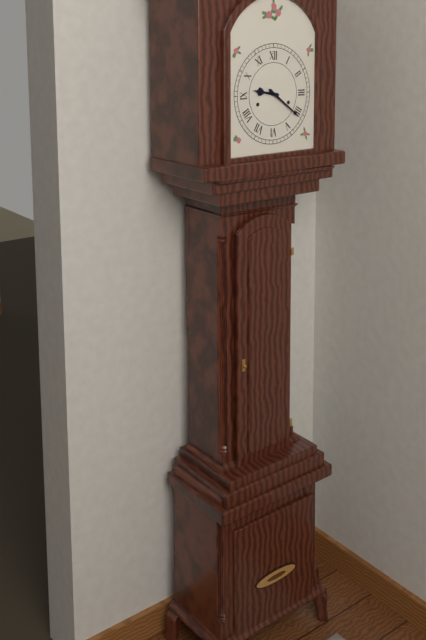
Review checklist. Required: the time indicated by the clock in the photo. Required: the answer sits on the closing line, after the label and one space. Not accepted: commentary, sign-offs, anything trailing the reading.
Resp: 9:21
